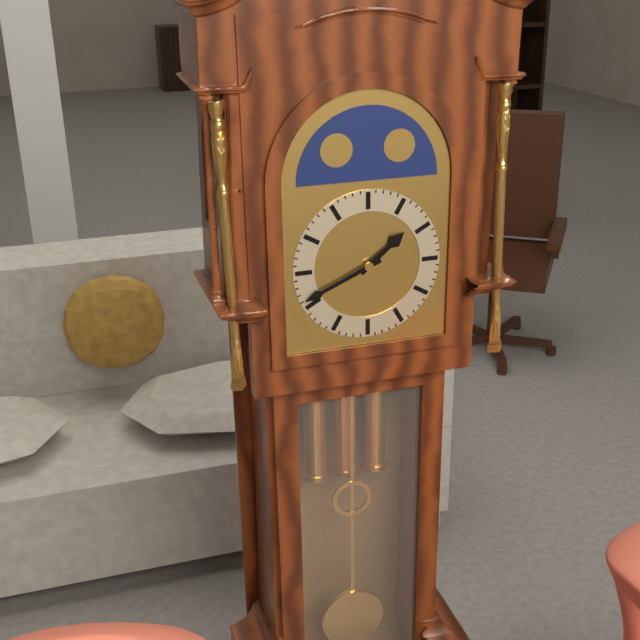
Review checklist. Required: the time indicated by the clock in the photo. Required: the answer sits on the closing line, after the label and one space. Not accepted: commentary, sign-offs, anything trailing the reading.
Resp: 1:41
